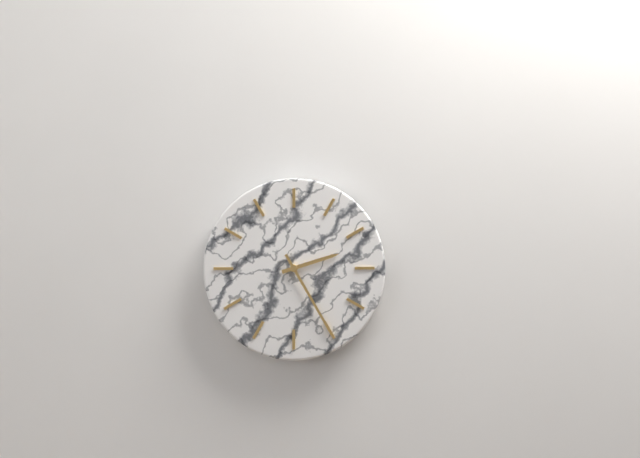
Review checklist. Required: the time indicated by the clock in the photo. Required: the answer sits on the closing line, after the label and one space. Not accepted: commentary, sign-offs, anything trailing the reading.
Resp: 2:25
